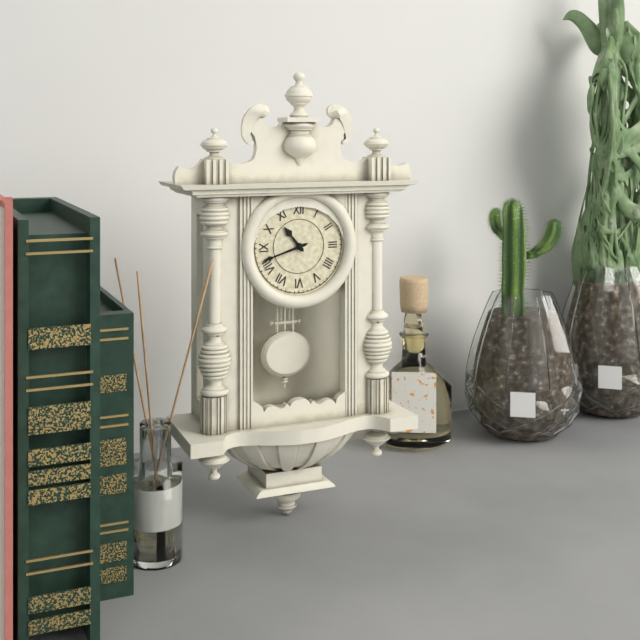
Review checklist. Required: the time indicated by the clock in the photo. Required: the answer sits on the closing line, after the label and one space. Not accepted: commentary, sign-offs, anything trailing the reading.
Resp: 10:42
